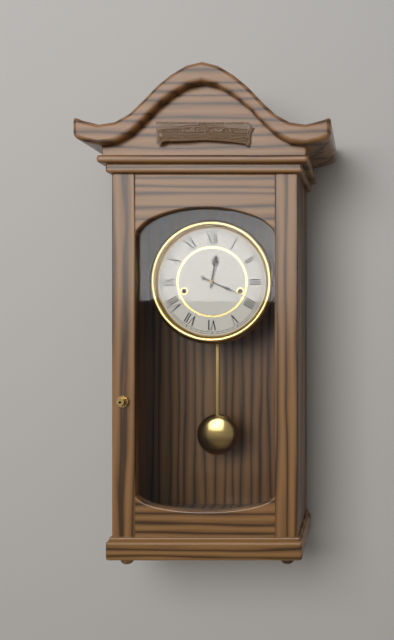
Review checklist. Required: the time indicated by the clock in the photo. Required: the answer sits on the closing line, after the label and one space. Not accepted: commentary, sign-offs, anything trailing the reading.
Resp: 12:19
